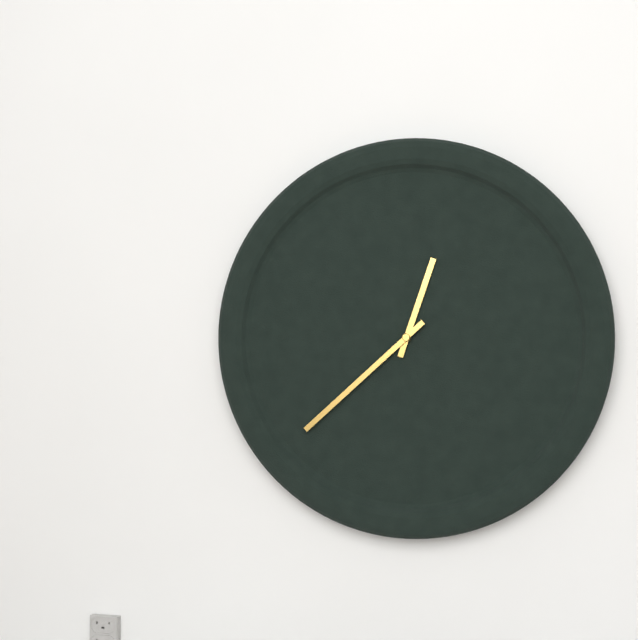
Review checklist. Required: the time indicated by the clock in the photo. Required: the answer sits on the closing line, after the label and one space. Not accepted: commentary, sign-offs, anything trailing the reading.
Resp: 12:38
